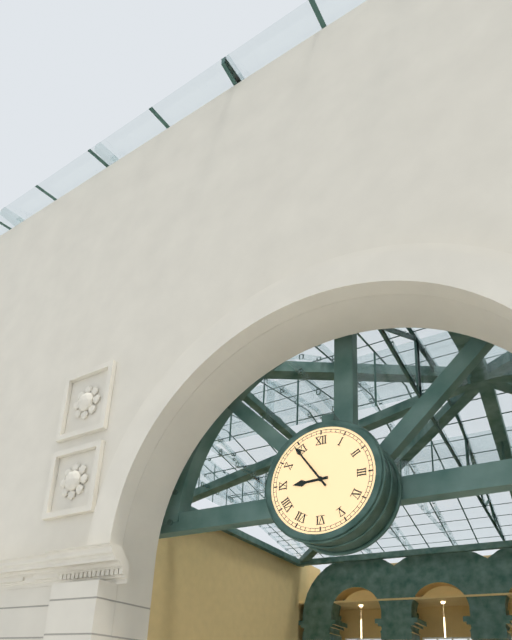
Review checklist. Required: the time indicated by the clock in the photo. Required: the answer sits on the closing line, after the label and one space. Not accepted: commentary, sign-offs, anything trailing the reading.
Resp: 8:54
